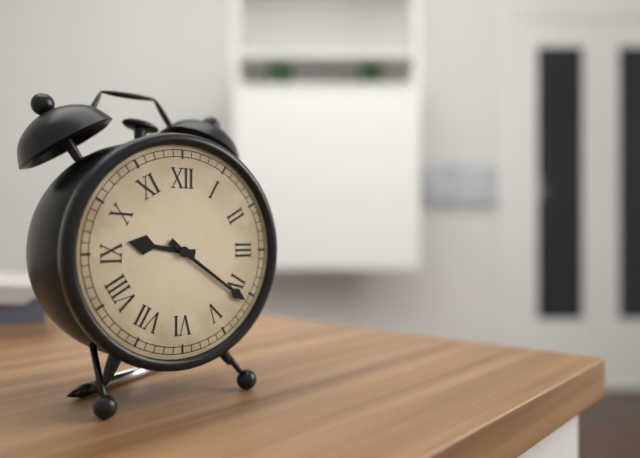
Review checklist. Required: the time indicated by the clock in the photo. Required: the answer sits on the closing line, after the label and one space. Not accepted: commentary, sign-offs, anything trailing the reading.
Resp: 9:21
